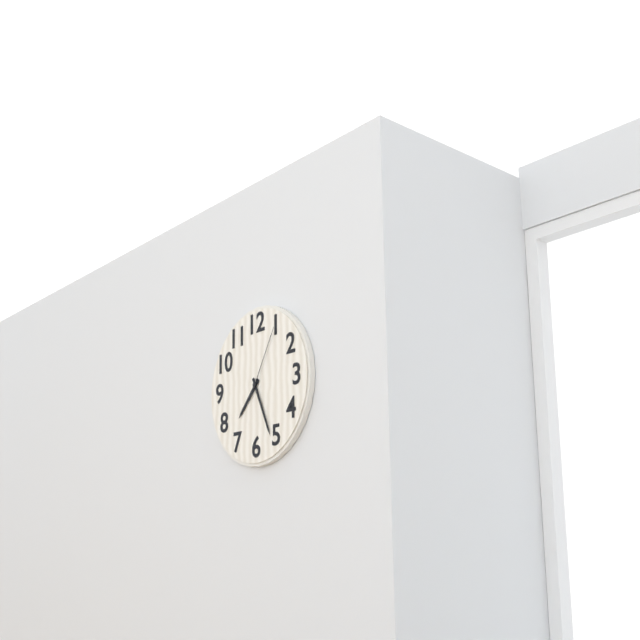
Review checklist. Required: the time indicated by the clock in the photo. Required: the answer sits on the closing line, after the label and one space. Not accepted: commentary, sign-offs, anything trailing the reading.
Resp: 7:26:05
